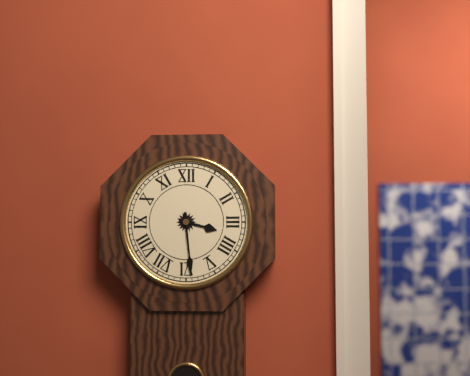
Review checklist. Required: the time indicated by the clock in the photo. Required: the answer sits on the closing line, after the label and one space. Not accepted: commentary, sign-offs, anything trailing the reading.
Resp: 3:29
